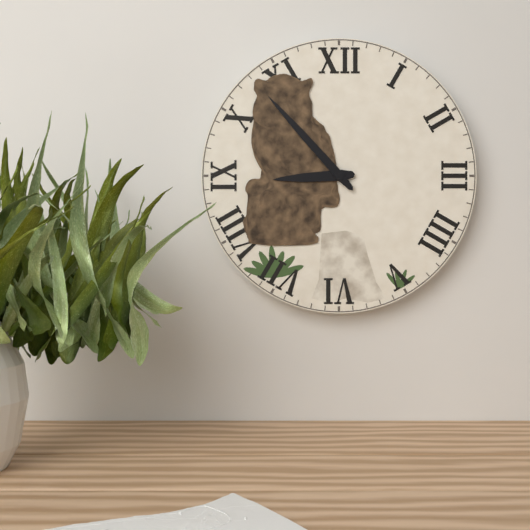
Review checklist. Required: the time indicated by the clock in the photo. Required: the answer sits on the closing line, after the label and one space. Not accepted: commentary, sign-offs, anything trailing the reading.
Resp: 8:53
